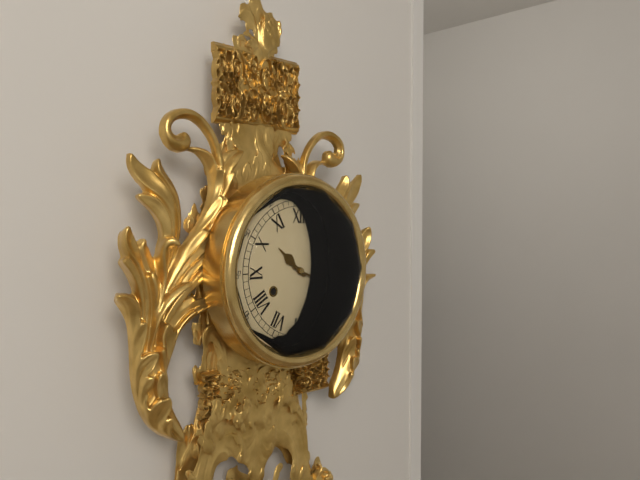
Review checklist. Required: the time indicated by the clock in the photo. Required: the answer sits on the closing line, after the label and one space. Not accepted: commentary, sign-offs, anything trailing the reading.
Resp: 10:19
